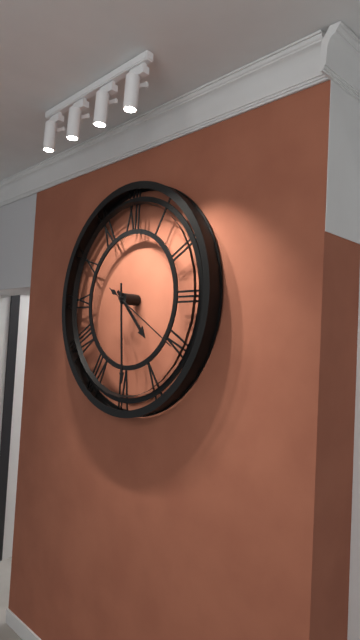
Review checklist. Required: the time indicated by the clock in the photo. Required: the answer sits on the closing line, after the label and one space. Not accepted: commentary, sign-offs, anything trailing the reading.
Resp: 4:29:20
